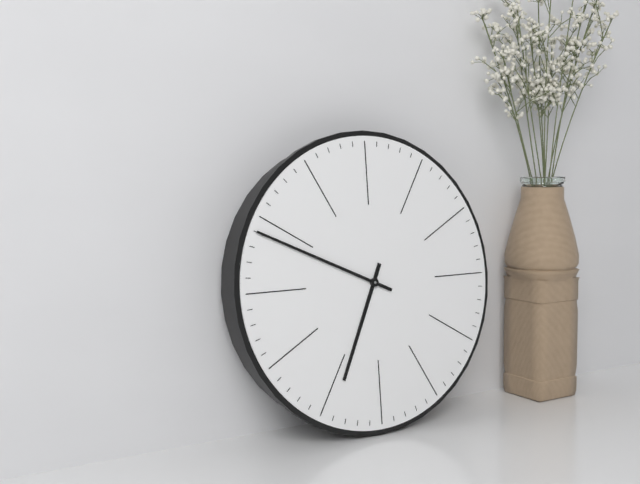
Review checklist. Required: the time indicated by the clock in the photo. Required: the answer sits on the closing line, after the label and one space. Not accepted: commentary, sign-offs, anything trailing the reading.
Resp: 6:49
